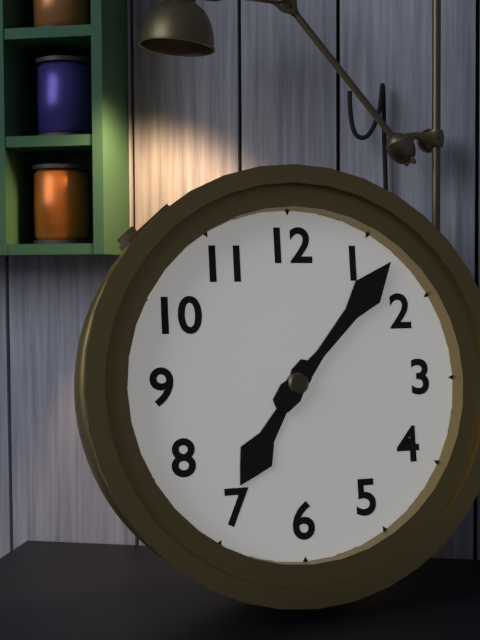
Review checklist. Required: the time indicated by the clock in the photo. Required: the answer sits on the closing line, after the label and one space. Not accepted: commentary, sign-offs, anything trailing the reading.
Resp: 7:07
